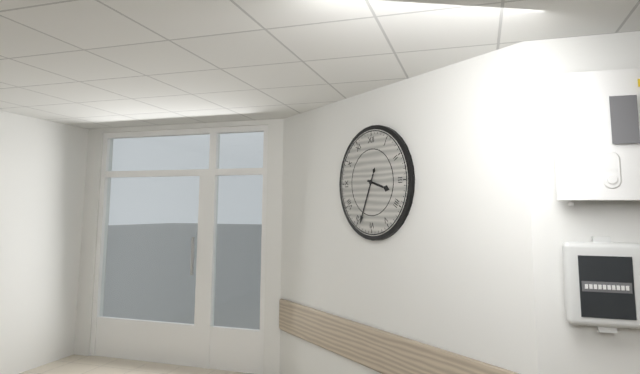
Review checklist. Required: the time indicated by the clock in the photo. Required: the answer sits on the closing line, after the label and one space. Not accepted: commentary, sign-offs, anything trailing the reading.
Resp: 3:34
